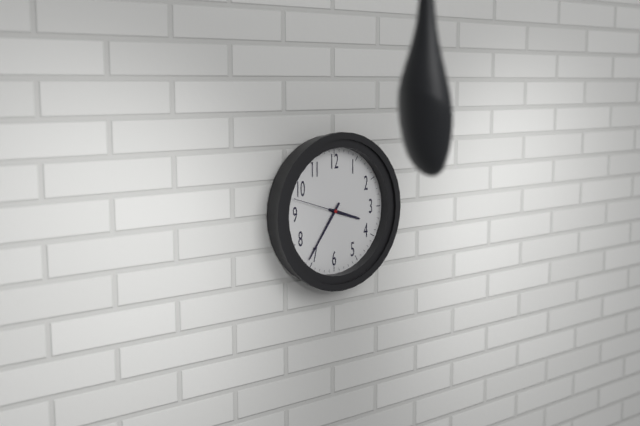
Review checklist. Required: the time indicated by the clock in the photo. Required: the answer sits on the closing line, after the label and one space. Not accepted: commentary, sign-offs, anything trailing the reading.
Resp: 3:36:48
